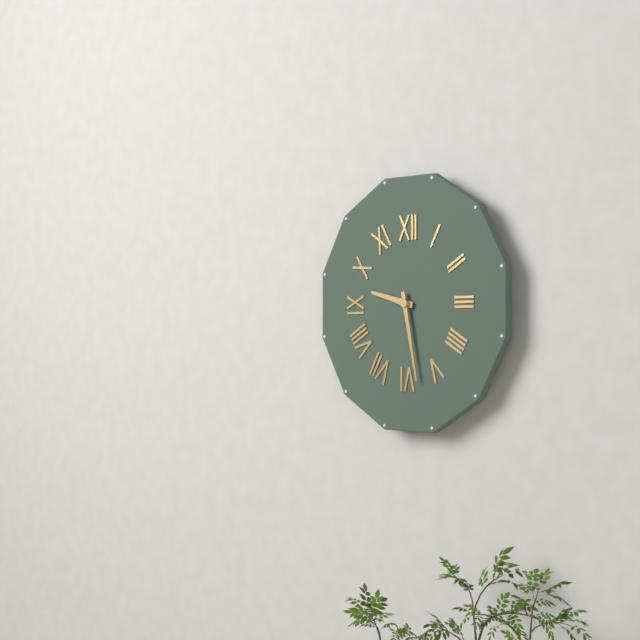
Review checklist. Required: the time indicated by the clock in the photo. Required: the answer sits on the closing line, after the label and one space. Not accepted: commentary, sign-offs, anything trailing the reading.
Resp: 9:28
